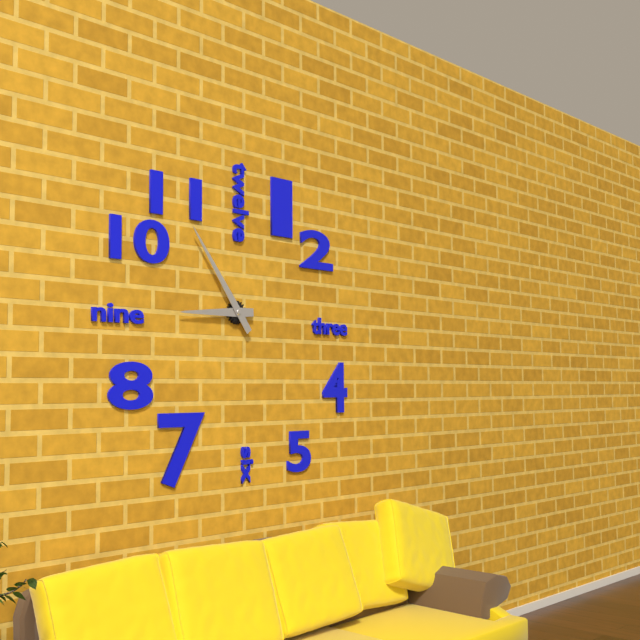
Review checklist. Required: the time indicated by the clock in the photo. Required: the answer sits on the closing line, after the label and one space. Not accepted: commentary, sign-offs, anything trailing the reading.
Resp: 8:54
